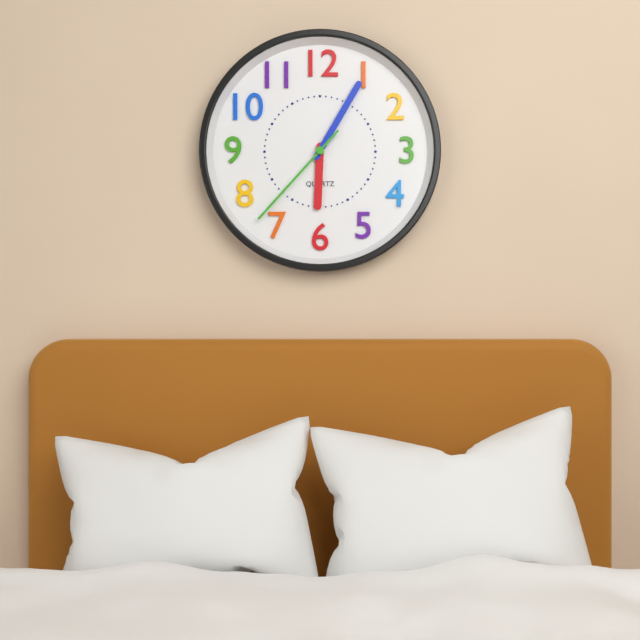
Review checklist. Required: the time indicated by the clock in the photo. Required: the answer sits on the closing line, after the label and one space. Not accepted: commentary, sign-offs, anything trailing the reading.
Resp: 6:05:37
